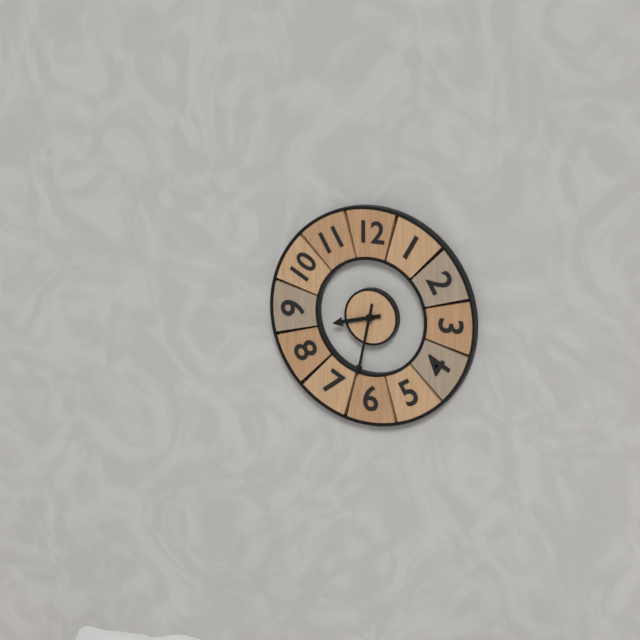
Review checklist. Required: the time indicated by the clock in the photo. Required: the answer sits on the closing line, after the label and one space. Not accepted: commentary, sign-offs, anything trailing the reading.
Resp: 8:32
